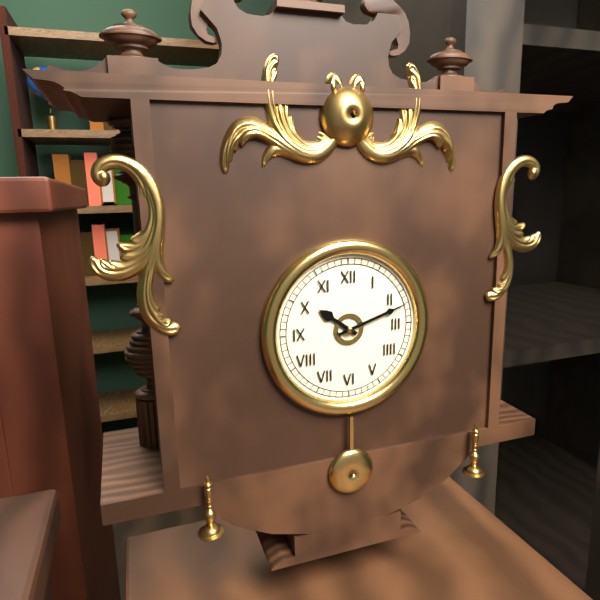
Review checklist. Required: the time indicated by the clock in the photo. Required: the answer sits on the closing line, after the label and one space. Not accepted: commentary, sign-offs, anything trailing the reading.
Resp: 10:12
